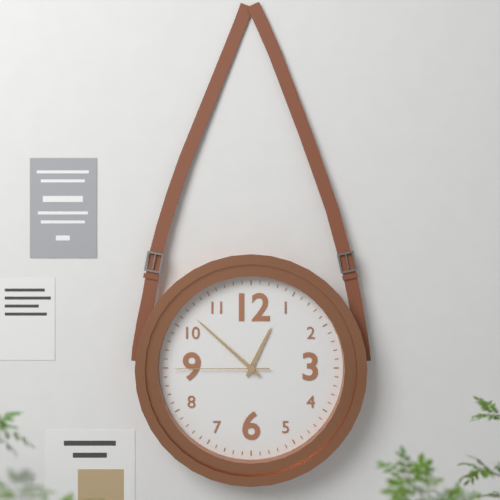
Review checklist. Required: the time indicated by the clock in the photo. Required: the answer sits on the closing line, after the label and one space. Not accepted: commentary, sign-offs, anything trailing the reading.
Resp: 12:52:45
